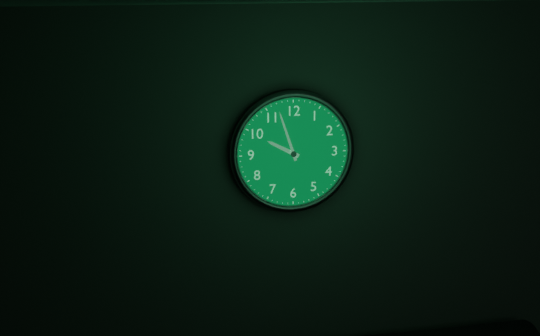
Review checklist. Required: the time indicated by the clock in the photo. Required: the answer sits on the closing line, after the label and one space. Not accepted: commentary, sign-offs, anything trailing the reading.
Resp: 9:57
